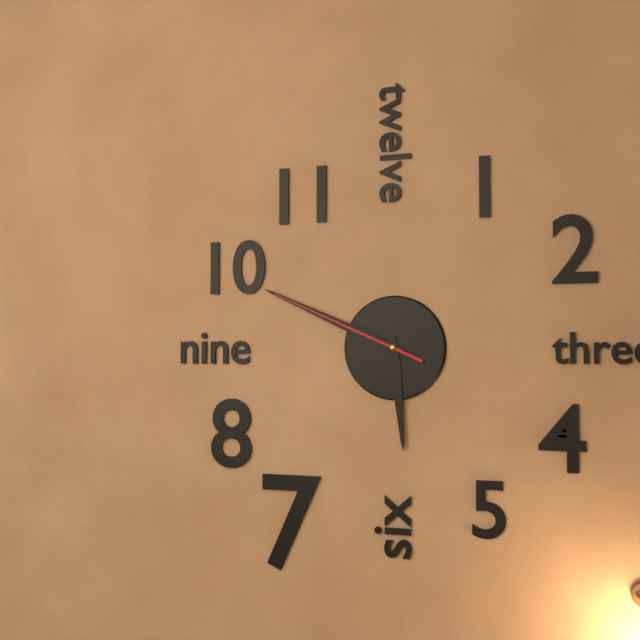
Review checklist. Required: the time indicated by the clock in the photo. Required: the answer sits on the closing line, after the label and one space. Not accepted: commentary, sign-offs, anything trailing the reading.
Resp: 5:49:49
